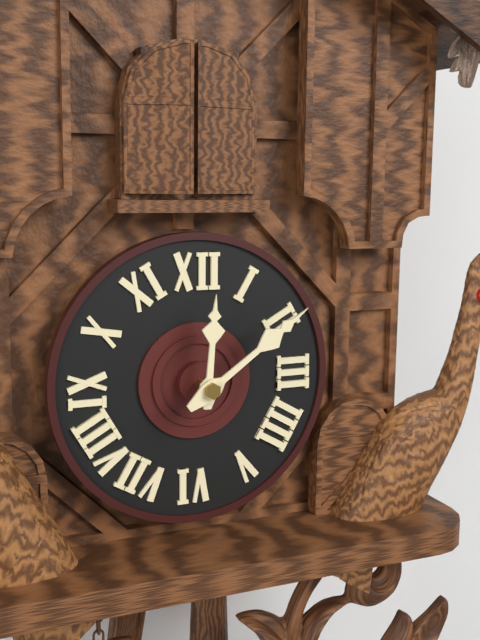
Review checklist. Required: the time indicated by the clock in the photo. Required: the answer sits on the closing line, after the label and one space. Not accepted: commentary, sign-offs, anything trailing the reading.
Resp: 12:09
